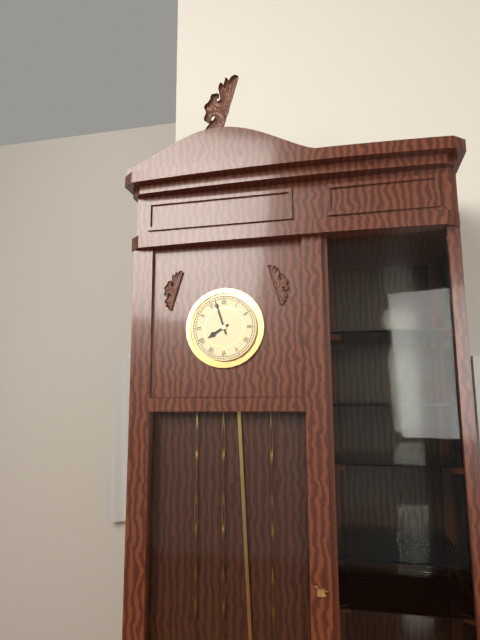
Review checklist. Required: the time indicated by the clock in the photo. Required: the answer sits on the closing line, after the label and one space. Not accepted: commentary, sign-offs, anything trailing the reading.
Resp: 7:57
